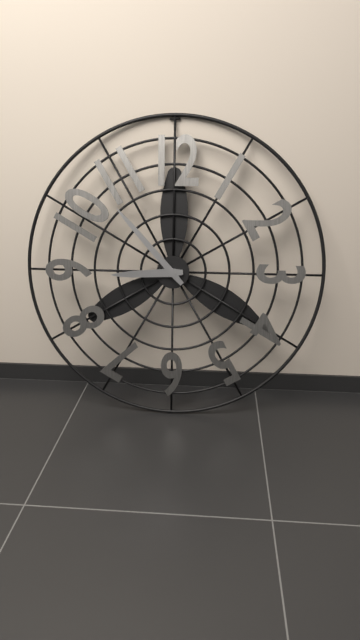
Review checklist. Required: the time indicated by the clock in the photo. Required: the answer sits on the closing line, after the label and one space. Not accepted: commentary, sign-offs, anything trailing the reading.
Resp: 8:53
